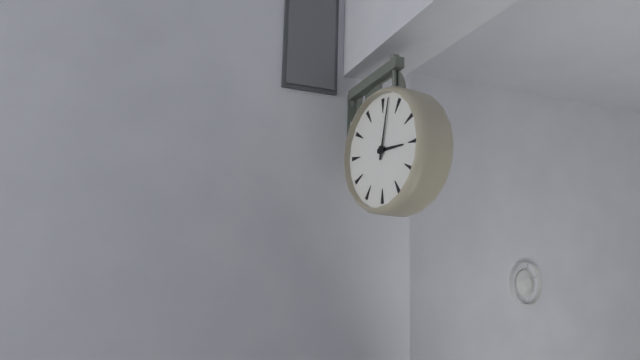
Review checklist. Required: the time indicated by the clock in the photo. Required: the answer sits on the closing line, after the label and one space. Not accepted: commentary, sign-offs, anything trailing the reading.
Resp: 3:02
